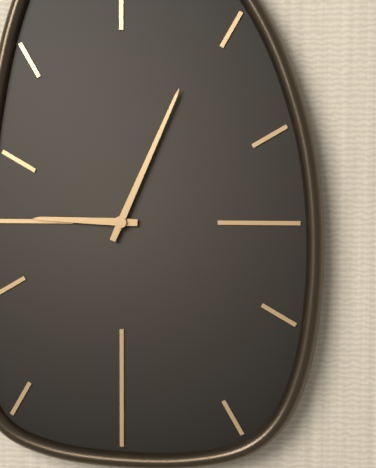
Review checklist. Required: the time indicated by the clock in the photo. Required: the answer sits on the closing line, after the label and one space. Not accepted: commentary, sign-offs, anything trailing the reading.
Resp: 9:04
